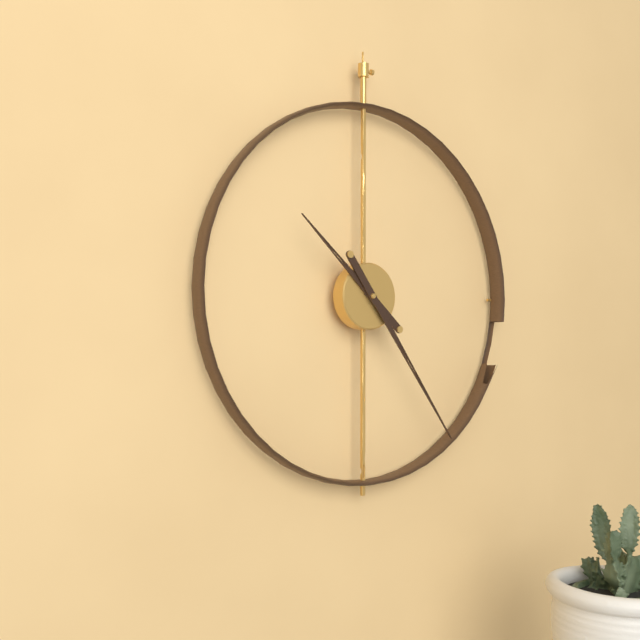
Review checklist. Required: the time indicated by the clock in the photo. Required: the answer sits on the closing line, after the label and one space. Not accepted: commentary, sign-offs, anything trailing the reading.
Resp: 10:24
